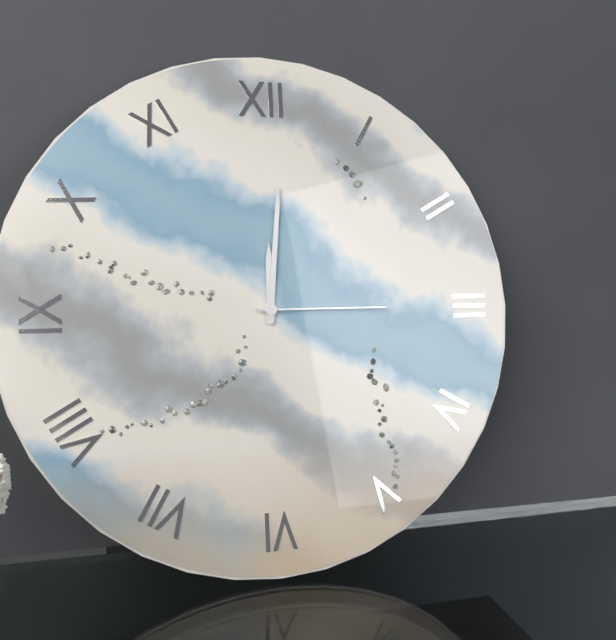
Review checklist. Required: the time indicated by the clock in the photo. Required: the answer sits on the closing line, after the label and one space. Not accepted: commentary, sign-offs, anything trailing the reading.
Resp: 12:01:15
